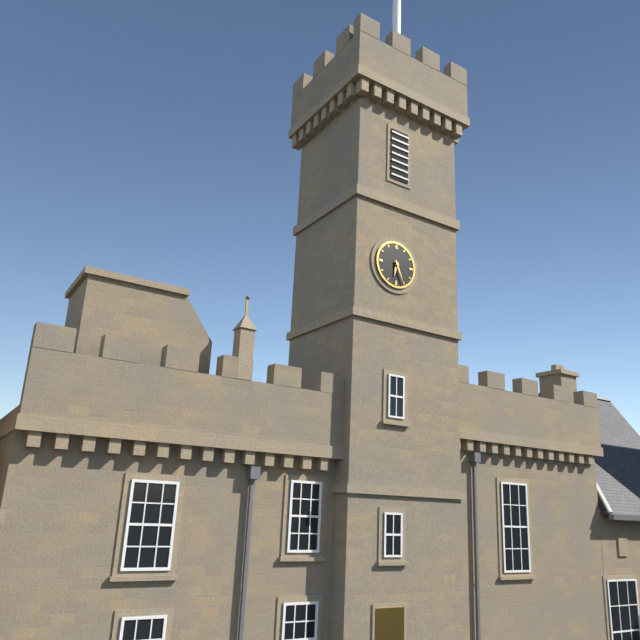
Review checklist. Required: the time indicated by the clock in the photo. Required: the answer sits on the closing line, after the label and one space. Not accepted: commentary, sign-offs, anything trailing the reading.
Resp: 6:26
